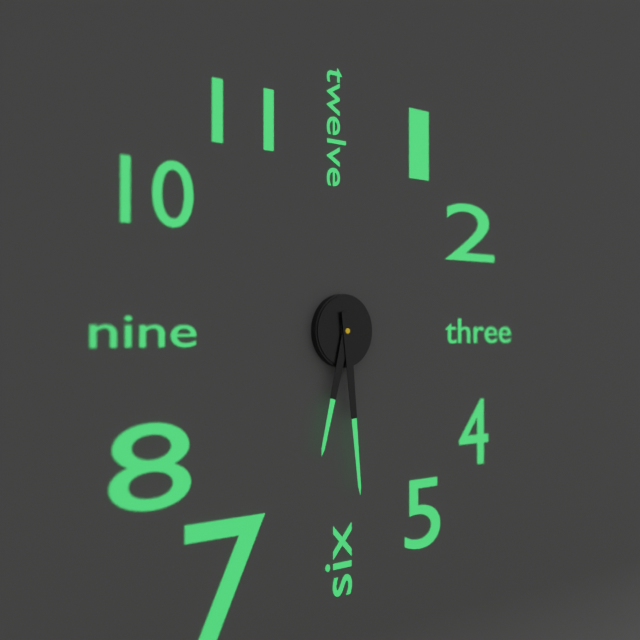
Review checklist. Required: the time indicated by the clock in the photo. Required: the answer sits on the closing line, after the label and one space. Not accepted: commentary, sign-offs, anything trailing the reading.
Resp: 6:29
